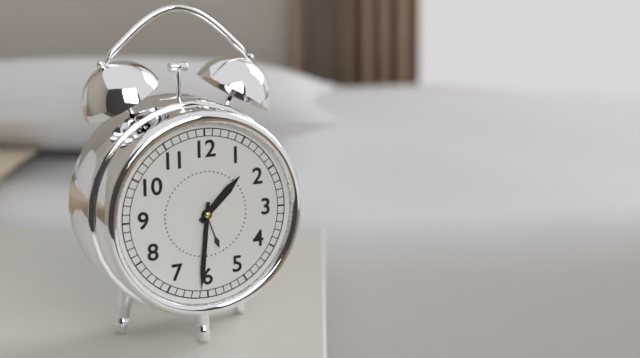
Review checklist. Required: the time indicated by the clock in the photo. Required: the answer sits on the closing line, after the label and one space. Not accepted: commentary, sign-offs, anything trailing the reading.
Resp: 1:31
